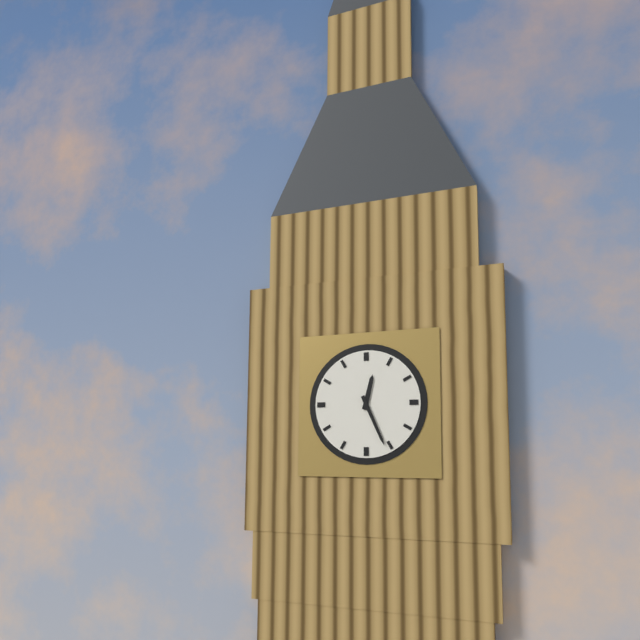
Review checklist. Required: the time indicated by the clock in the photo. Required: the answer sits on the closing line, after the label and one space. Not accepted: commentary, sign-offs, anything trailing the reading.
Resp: 12:26
